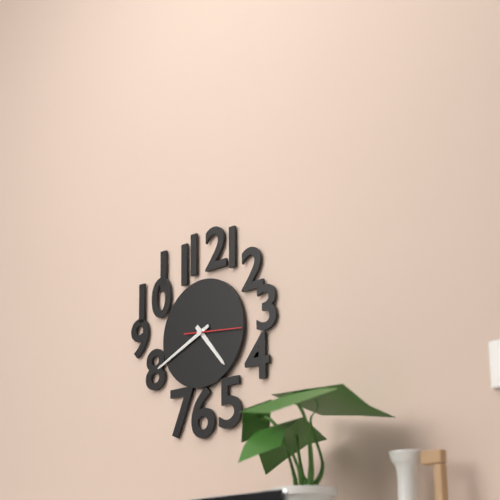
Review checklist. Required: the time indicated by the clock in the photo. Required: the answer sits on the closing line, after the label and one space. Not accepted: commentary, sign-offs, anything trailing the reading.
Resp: 4:41:16
